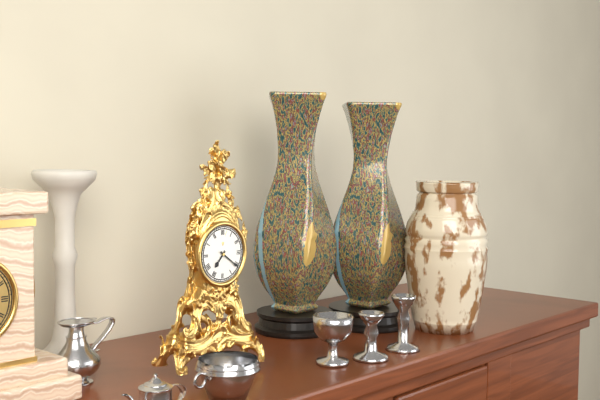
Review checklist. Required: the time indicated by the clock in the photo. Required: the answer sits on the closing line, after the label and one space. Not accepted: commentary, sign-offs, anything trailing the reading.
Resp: 7:21
